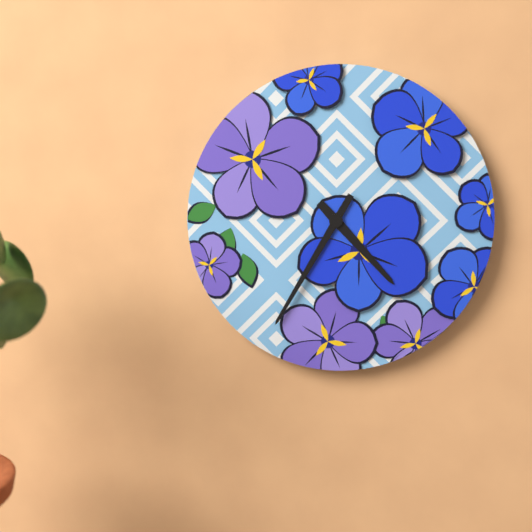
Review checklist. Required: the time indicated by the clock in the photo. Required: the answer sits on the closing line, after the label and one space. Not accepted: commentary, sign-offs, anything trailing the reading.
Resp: 4:35
